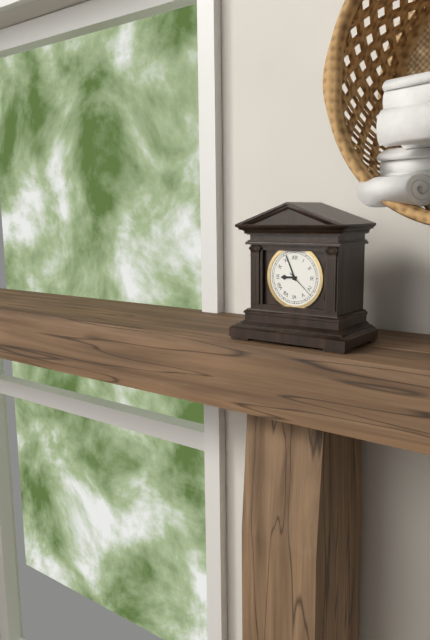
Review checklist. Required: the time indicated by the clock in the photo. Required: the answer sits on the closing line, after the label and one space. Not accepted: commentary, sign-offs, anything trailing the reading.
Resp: 8:56
